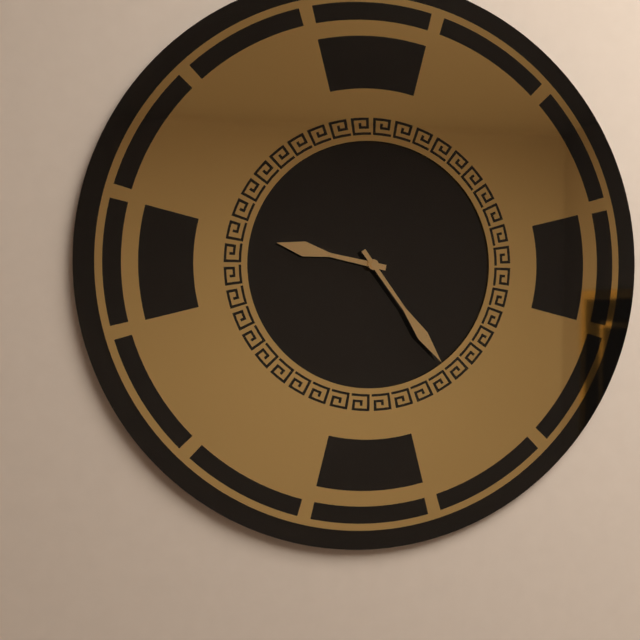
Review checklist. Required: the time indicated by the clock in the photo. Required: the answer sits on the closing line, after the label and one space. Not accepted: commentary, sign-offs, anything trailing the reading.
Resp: 9:24
